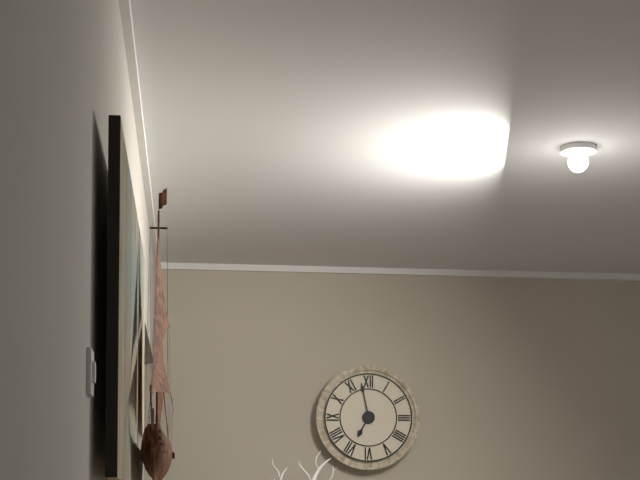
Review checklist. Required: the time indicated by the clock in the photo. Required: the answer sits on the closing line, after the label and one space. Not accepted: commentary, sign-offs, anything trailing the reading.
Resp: 6:58
